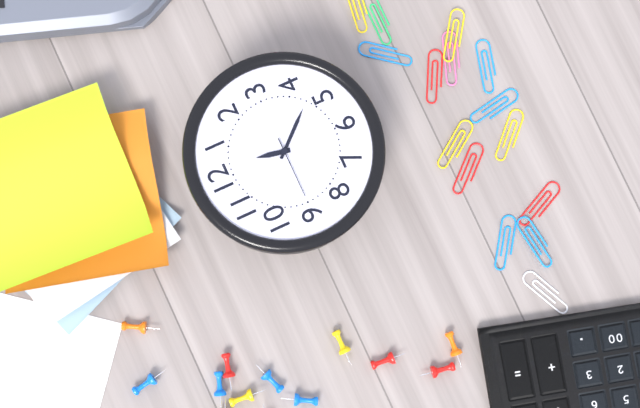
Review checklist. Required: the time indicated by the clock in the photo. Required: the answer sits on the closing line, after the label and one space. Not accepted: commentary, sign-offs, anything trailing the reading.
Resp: 12:23:45
